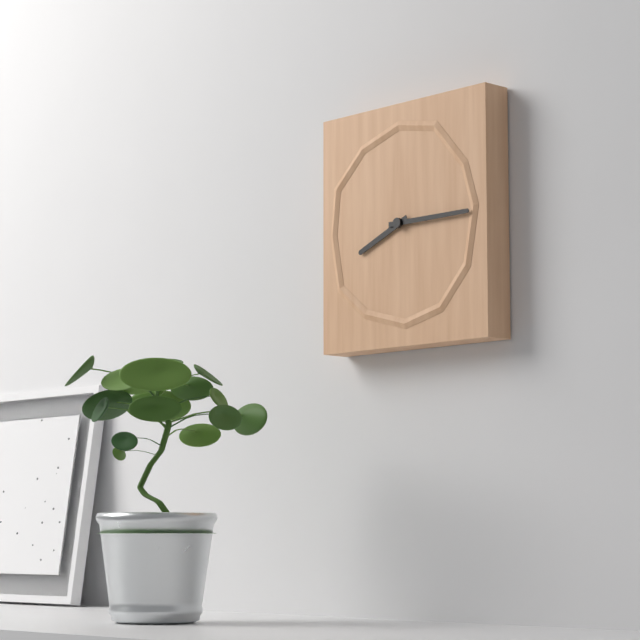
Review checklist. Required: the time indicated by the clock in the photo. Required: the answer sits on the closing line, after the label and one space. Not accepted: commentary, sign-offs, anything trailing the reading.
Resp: 8:15
